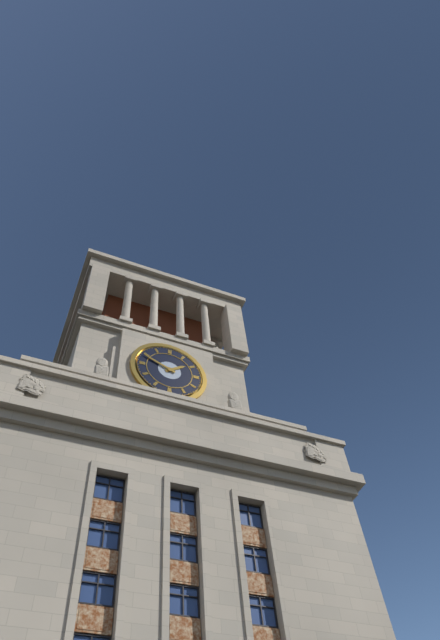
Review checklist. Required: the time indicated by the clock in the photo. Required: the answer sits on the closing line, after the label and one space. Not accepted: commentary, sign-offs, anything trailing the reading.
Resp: 1:49
